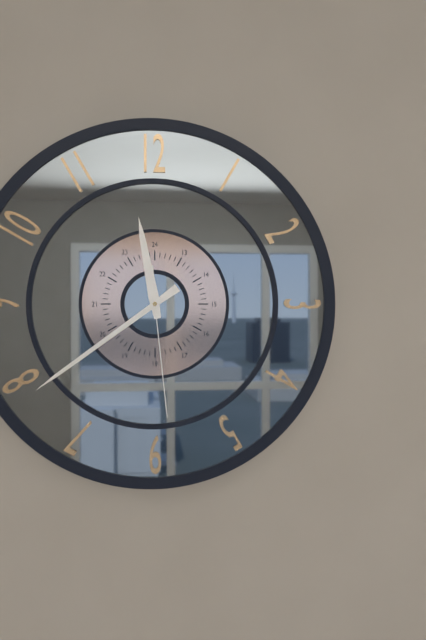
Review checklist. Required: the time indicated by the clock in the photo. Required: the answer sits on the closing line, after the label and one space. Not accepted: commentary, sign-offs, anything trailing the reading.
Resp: 11:39:29
